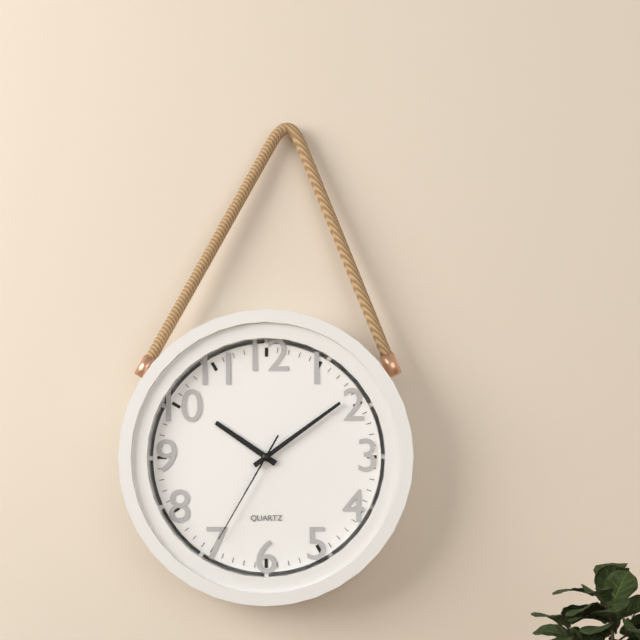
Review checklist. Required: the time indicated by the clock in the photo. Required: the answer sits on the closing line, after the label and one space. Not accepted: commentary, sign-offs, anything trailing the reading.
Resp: 10:09:35
